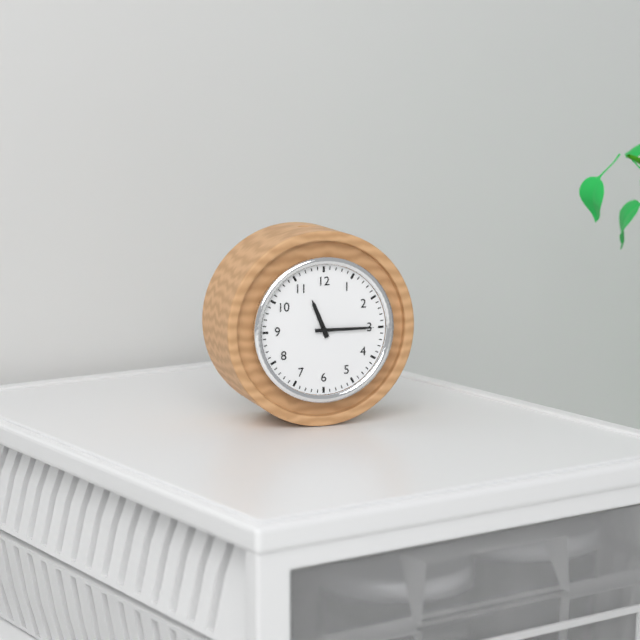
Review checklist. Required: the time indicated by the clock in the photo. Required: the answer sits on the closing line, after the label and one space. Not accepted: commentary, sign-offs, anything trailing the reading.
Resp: 11:15
